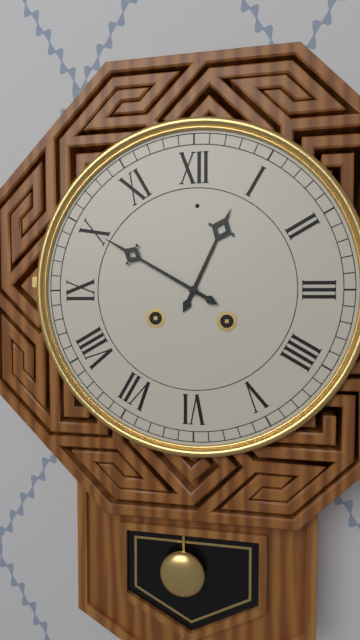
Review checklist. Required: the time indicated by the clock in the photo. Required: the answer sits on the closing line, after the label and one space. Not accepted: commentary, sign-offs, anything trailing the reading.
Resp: 12:50
